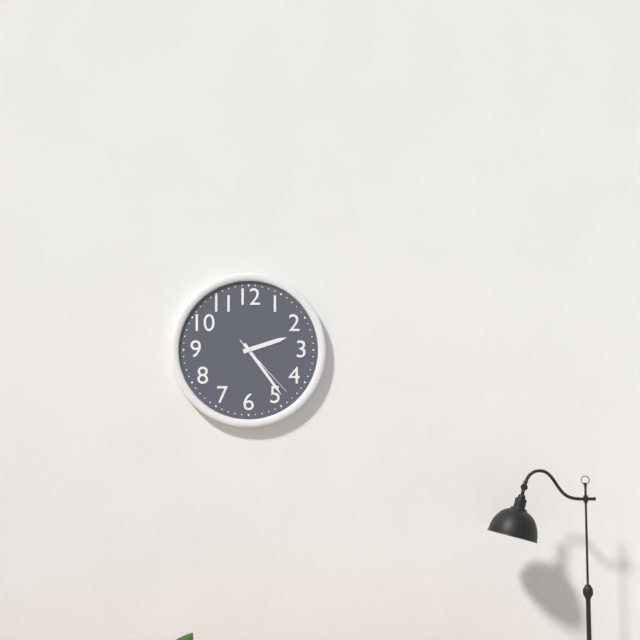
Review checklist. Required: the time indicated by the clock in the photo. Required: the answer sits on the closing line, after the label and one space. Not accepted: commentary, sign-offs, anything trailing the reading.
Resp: 2:24:23
